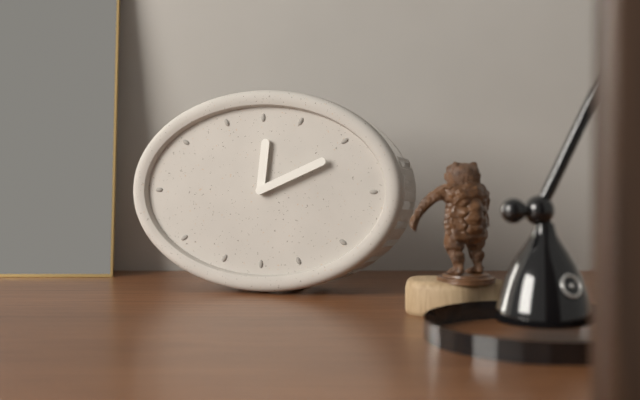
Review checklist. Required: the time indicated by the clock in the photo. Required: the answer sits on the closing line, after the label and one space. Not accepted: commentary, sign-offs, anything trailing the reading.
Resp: 12:11
